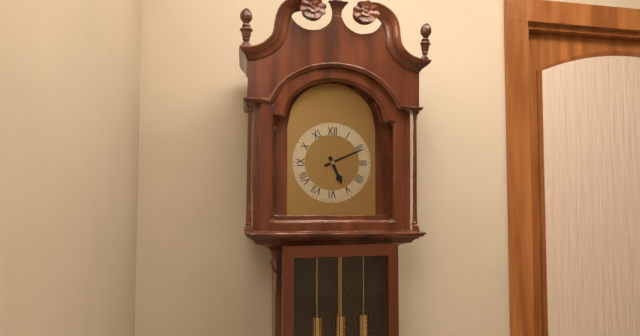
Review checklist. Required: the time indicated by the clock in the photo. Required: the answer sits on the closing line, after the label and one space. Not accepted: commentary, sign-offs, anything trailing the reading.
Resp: 5:11
